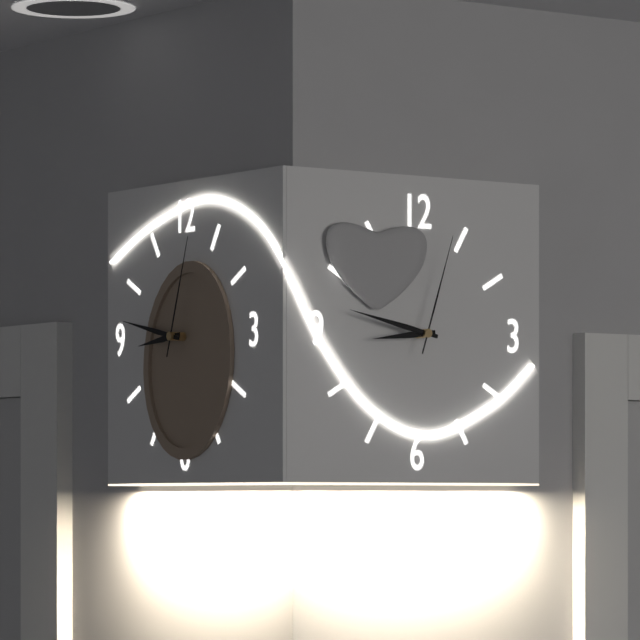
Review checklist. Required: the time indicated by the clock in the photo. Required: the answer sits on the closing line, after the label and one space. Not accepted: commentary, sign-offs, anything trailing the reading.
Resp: 8:47:03
